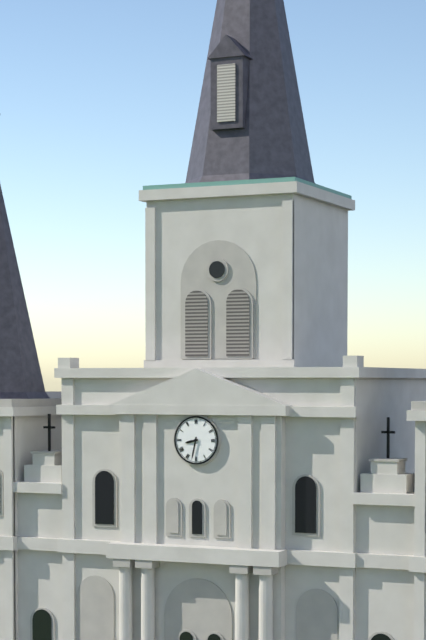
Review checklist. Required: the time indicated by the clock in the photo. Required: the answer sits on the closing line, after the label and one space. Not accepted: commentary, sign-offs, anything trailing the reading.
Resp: 8:32
